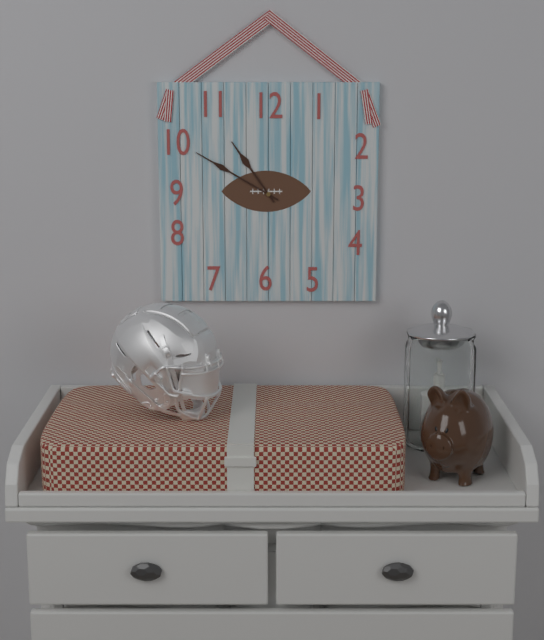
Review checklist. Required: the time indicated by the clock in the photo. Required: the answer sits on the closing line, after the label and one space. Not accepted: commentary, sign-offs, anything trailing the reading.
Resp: 10:50
